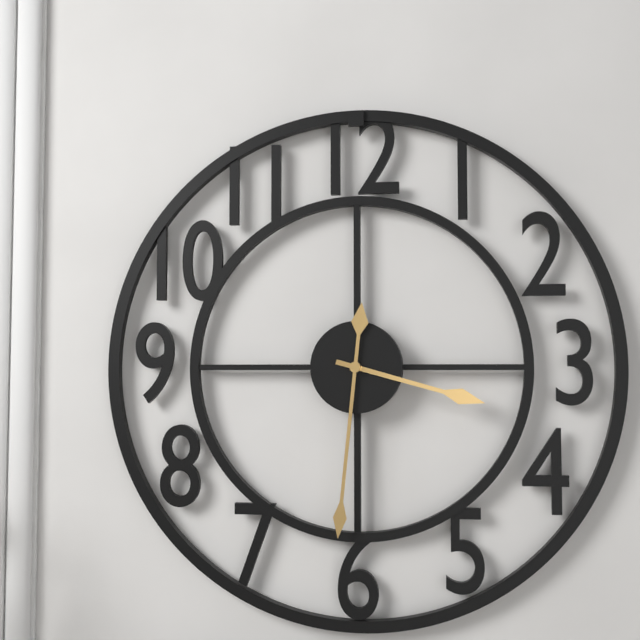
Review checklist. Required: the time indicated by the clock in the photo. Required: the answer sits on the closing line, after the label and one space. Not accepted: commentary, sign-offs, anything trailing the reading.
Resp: 3:31
